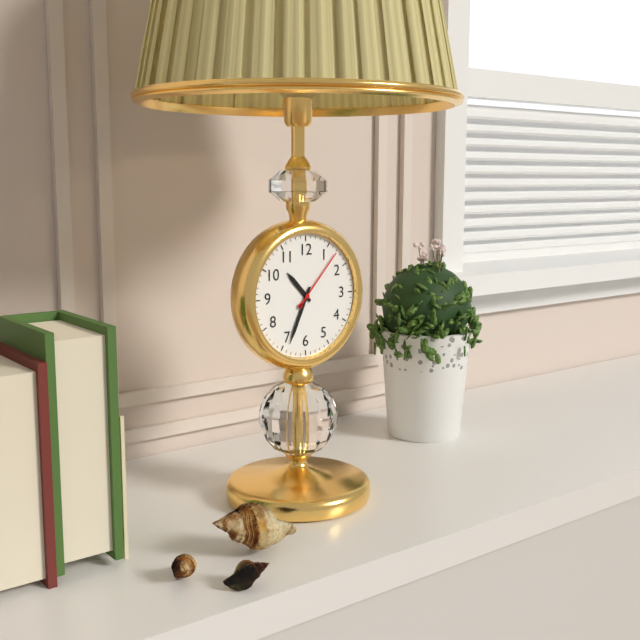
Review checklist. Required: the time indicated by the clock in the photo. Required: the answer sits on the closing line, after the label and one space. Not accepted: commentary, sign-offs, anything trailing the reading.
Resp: 10:34:07
